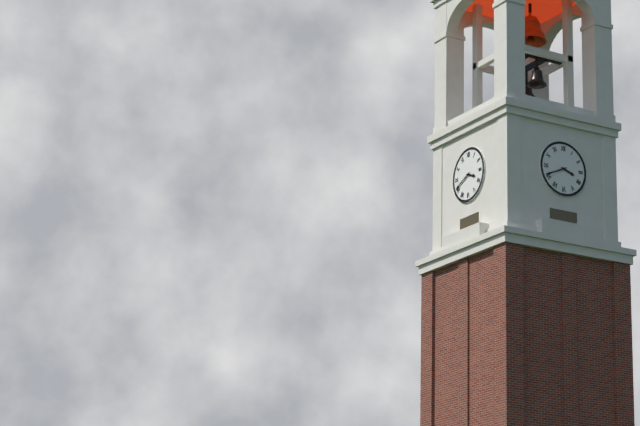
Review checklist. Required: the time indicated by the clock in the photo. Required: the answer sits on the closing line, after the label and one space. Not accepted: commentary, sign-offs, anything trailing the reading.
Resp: 3:41
